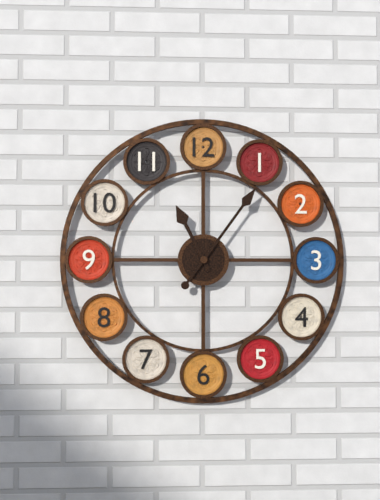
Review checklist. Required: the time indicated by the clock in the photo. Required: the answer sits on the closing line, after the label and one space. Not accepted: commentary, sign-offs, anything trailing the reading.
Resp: 11:06
